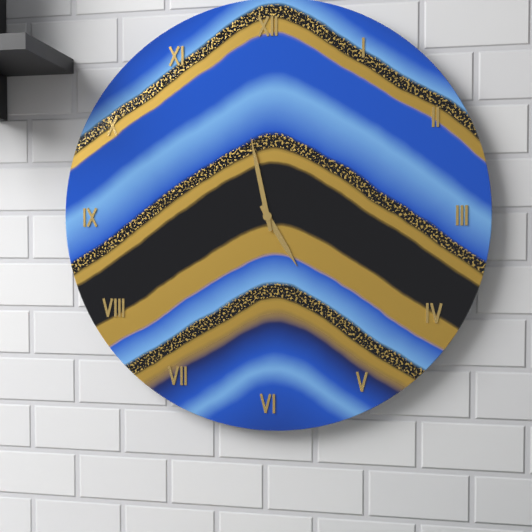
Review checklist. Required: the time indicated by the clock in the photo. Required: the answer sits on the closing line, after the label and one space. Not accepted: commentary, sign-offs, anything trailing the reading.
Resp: 4:58
